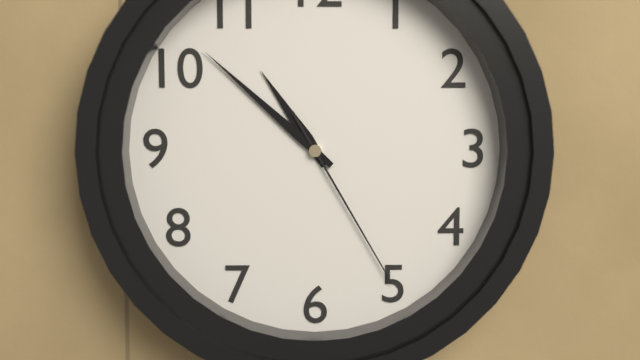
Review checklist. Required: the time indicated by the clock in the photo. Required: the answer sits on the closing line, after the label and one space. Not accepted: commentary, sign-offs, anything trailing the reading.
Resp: 10:52:25
